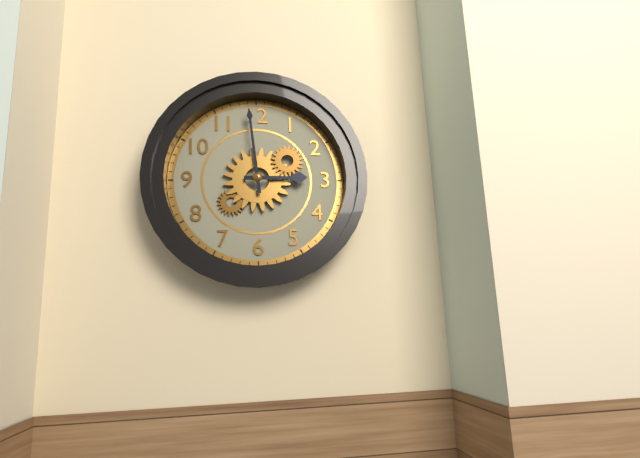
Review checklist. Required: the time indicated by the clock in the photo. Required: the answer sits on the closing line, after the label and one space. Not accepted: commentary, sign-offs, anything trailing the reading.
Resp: 2:59
